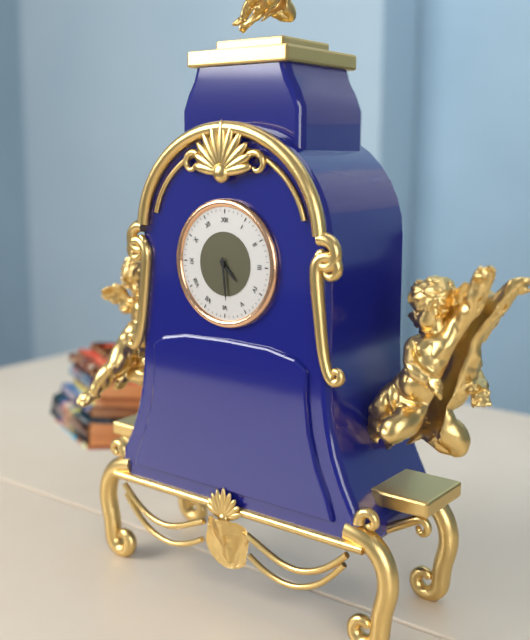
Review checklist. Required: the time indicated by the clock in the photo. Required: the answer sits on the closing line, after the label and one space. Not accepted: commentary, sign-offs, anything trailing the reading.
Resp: 4:29
